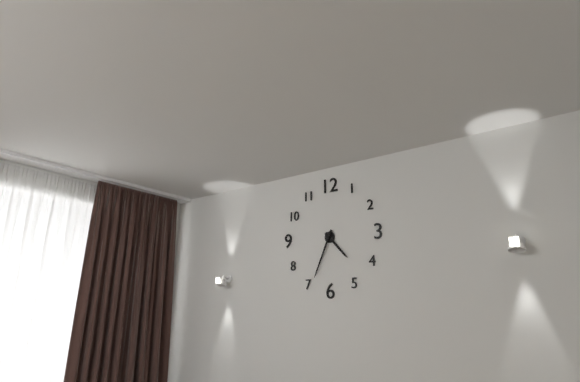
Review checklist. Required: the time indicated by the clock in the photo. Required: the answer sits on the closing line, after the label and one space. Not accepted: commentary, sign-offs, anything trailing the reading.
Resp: 4:34
